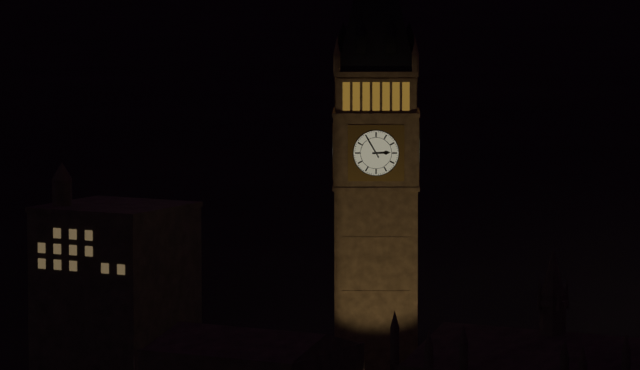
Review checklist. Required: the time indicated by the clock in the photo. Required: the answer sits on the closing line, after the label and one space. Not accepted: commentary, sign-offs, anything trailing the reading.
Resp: 2:55
